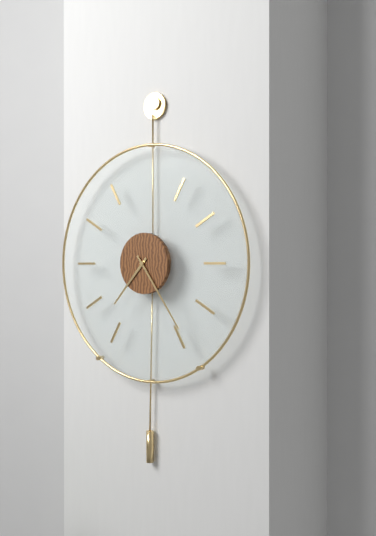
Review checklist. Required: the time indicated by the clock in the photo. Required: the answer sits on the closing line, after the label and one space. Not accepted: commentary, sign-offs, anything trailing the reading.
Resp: 7:24
